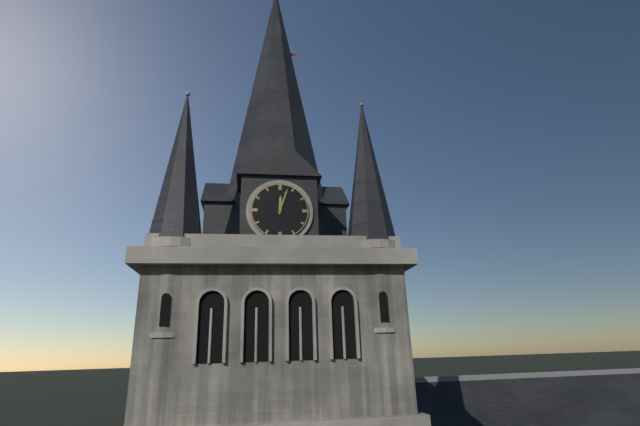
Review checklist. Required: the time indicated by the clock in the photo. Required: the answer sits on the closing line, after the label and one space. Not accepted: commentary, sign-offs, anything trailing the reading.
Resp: 12:03
